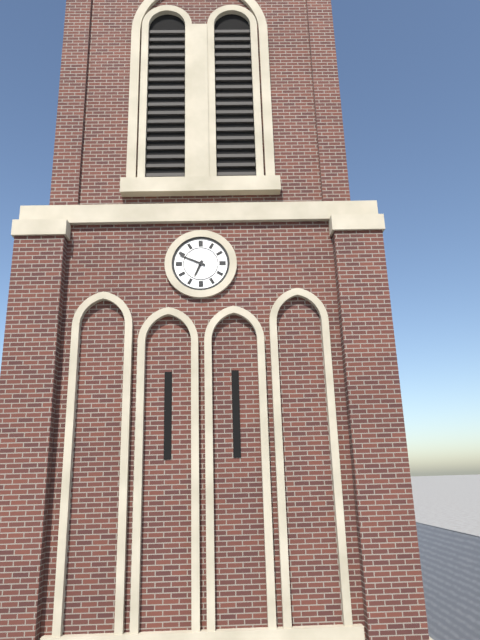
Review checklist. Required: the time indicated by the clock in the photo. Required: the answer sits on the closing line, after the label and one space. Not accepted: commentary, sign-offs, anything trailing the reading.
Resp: 6:49
